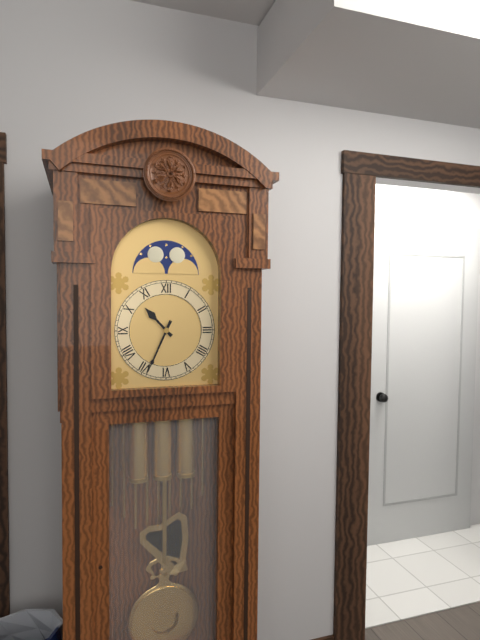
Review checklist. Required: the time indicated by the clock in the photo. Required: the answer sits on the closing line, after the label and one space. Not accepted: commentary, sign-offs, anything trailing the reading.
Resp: 10:34
